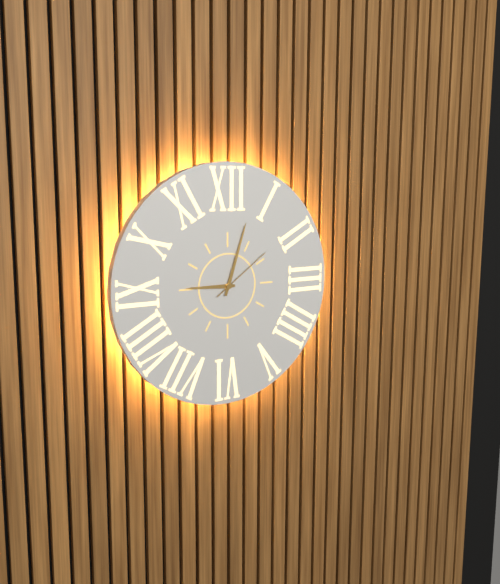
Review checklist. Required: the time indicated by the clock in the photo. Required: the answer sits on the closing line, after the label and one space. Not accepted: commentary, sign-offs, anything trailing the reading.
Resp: 9:03:09
